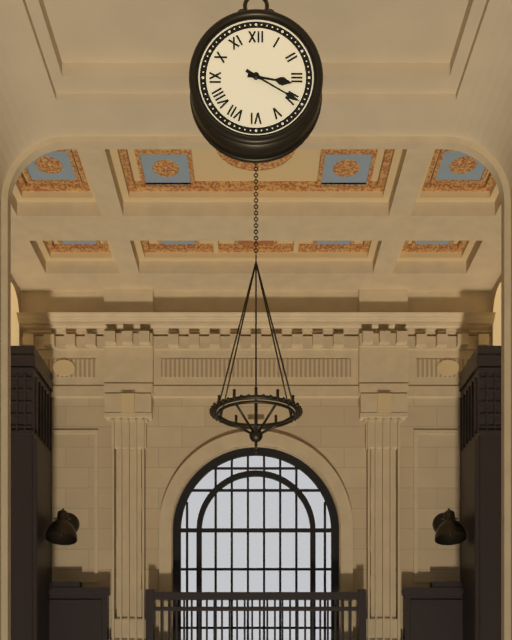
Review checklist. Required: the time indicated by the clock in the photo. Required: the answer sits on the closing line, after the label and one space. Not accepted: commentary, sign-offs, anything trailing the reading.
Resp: 3:20
